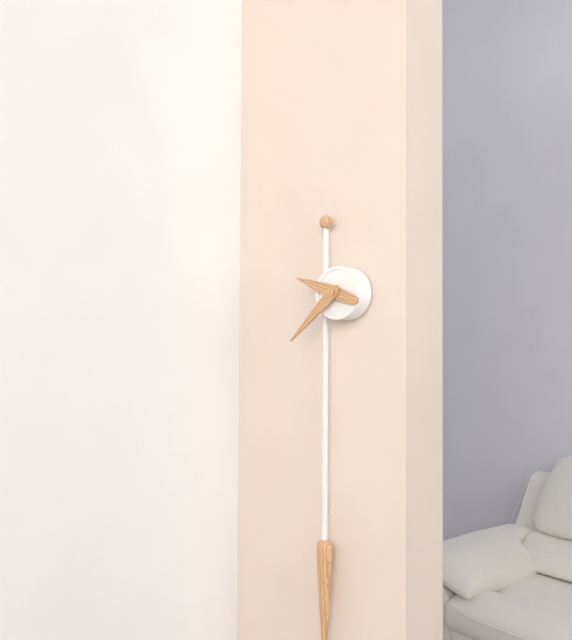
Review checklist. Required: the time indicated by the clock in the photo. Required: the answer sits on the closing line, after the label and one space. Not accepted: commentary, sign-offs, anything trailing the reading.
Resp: 9:38
